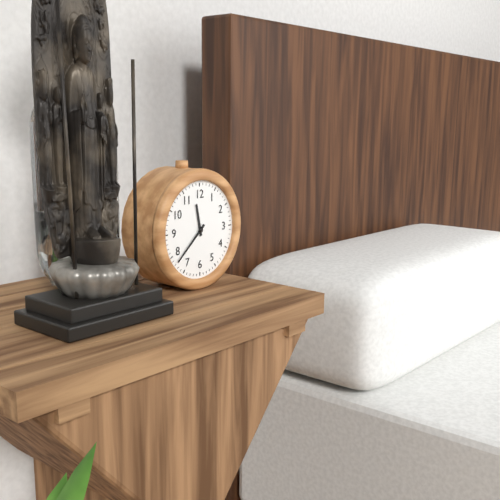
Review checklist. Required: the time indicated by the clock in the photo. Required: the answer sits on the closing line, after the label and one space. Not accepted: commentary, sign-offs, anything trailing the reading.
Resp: 11:38
